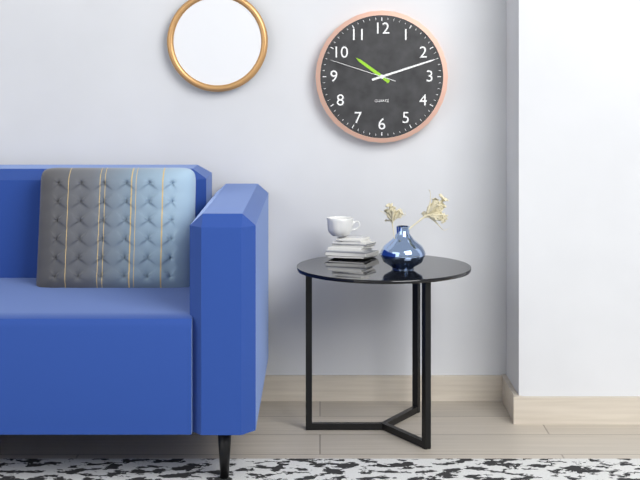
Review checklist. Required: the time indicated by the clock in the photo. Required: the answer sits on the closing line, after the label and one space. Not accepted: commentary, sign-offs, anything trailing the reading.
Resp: 10:12:48
